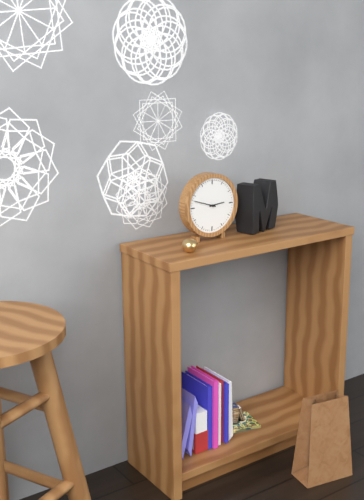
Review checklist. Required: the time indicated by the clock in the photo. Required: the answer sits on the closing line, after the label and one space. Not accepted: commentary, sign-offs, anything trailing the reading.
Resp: 2:48
